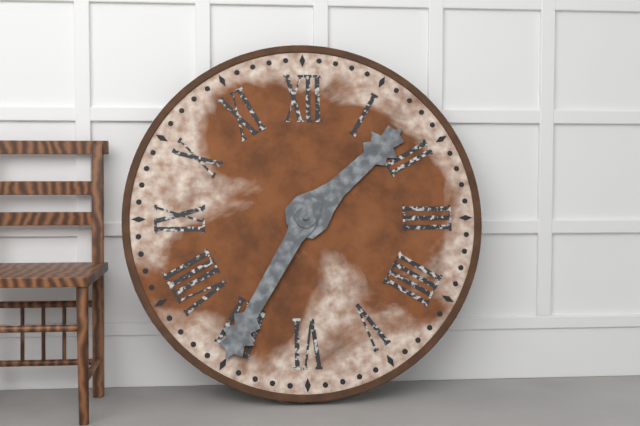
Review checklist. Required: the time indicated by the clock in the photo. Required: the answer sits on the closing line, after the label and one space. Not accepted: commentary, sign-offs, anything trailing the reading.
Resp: 1:35
